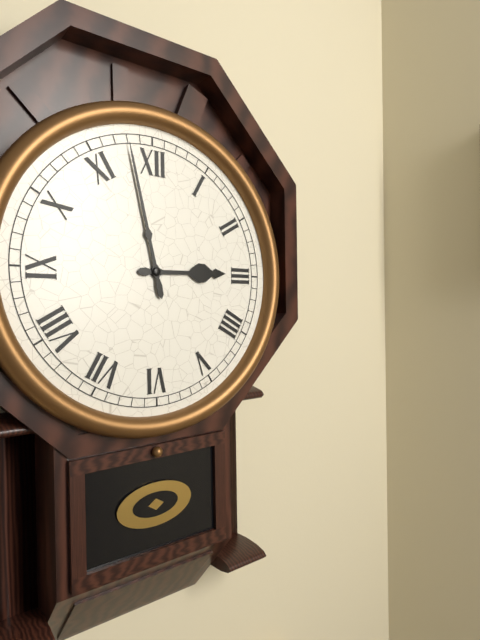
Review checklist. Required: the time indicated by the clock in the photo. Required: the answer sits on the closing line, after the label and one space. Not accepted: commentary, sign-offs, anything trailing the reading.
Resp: 2:58
